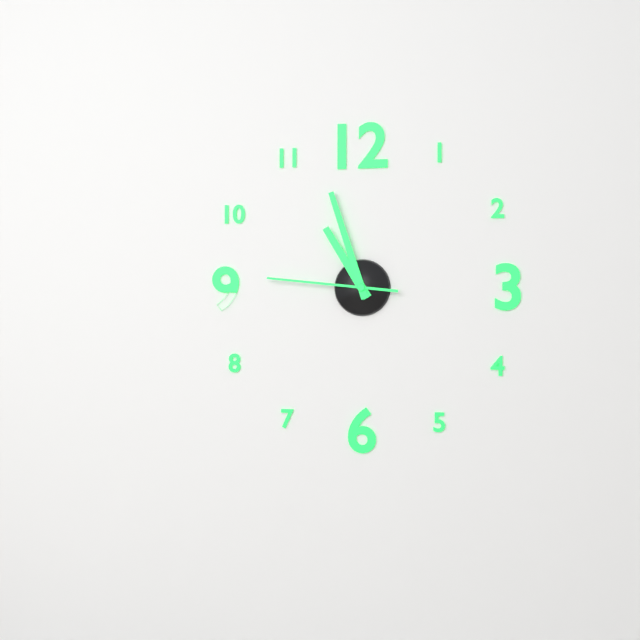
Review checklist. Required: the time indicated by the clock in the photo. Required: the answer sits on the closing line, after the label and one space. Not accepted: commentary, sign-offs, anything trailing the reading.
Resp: 10:57:46
